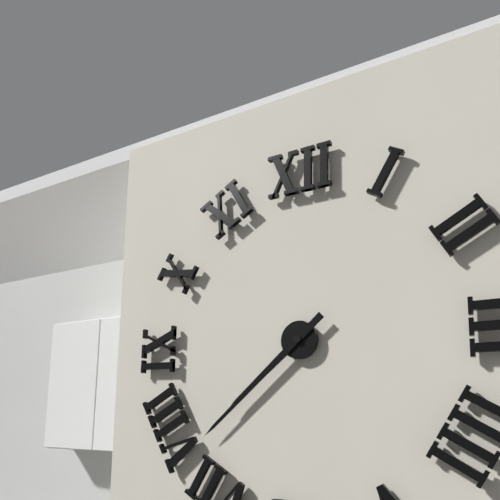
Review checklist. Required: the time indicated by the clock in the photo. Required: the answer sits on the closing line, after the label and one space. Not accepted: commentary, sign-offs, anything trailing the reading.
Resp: 7:38
